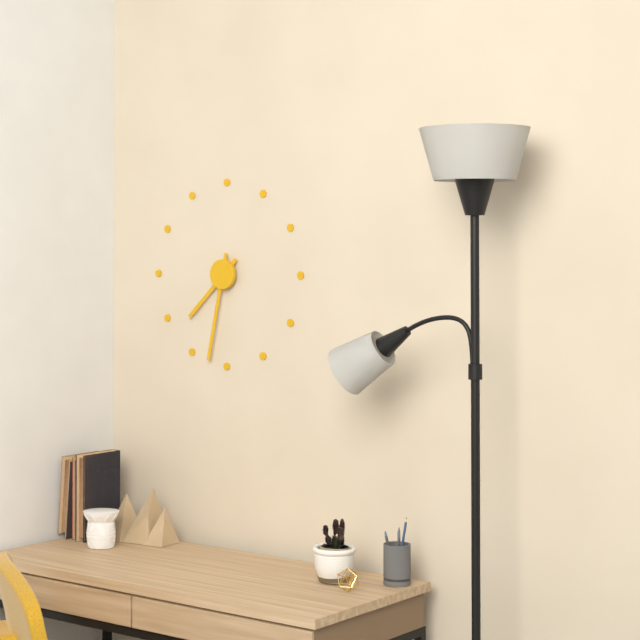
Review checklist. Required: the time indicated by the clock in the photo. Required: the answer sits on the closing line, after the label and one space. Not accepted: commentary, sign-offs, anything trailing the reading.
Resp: 7:32
